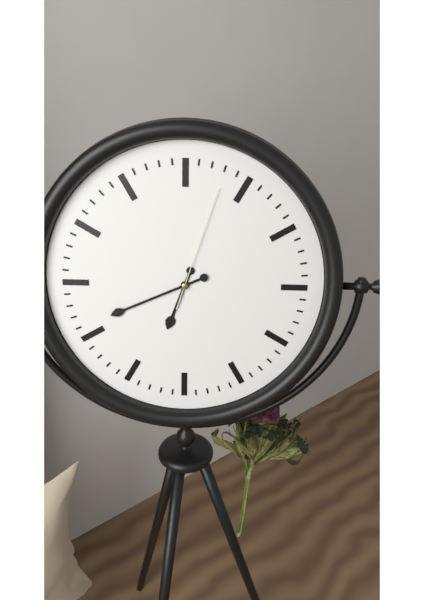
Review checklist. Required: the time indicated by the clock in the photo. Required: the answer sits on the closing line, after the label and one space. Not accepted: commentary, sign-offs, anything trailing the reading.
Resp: 6:41:03
